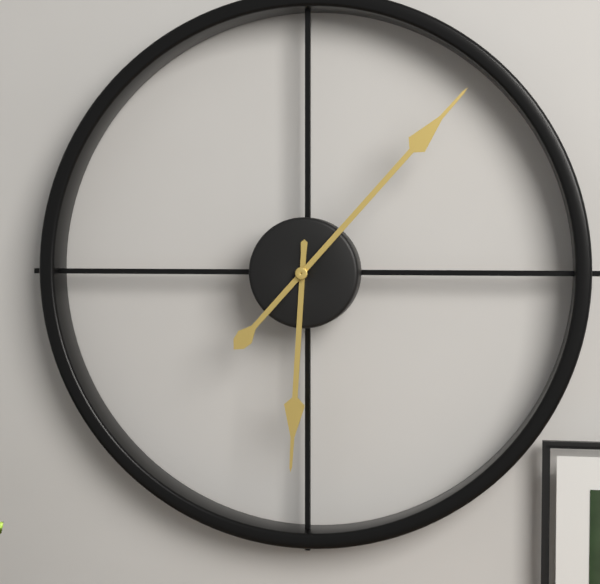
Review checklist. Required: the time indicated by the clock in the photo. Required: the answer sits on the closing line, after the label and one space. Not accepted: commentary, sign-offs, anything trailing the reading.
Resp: 6:07
